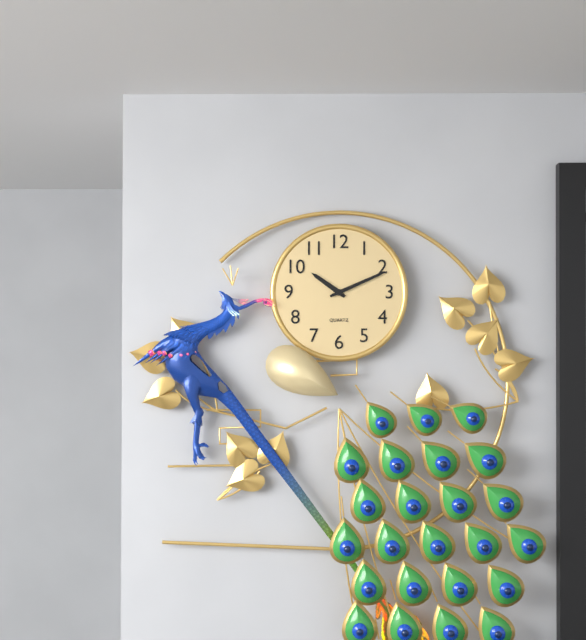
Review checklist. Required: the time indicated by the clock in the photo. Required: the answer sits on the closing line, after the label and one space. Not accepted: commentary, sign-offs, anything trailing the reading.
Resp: 10:11
